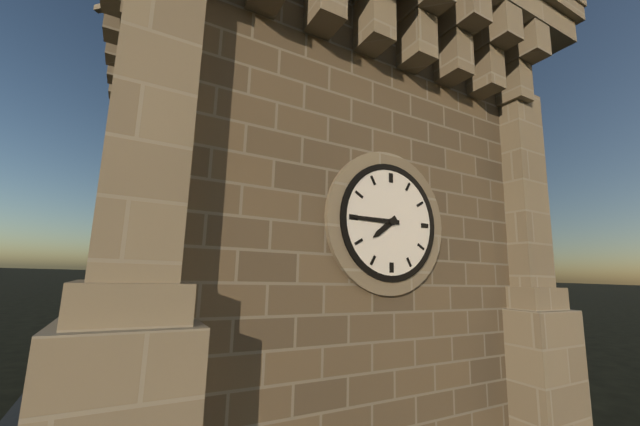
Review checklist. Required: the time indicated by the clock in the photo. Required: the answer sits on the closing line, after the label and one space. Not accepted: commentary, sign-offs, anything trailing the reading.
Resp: 7:45
